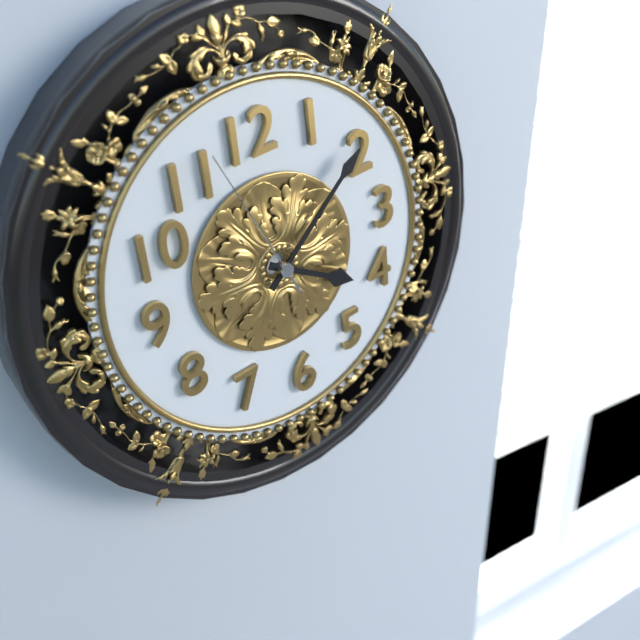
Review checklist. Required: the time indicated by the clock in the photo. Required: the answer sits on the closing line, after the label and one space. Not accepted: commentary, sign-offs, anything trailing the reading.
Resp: 4:09:57
